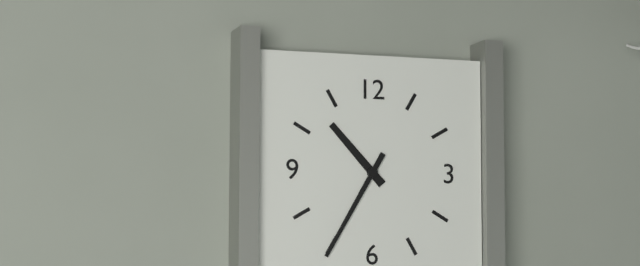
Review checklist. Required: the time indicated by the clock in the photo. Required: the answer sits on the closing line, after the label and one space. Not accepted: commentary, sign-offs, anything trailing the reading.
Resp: 10:35
